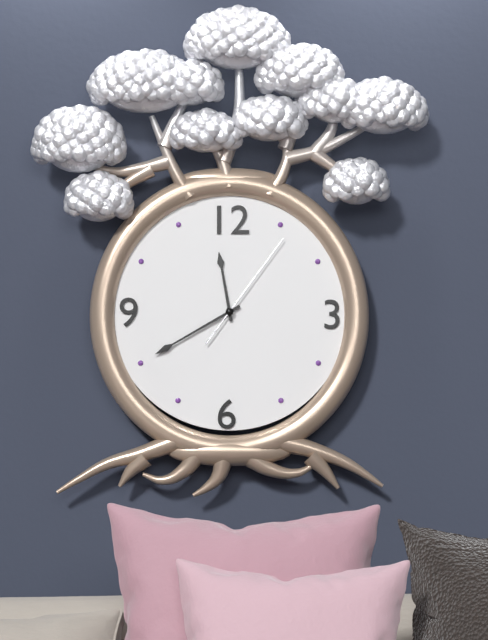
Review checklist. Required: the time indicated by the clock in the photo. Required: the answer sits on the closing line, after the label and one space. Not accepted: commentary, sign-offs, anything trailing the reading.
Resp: 11:40:06
